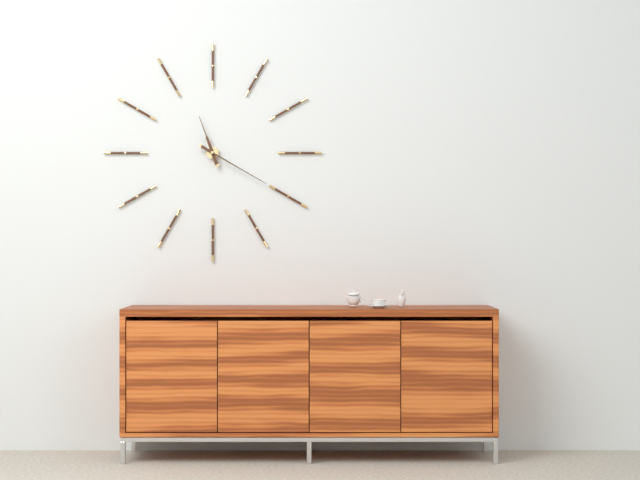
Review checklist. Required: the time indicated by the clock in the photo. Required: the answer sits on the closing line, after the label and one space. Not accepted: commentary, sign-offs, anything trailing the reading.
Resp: 11:20
